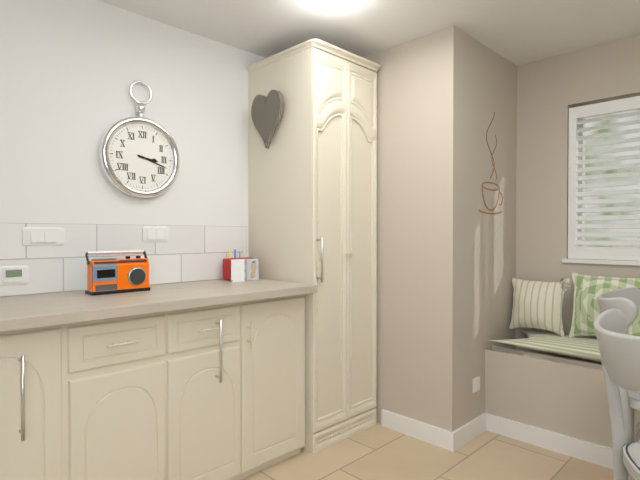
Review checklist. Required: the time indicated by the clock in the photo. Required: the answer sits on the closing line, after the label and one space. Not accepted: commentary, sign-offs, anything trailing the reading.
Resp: 3:18
